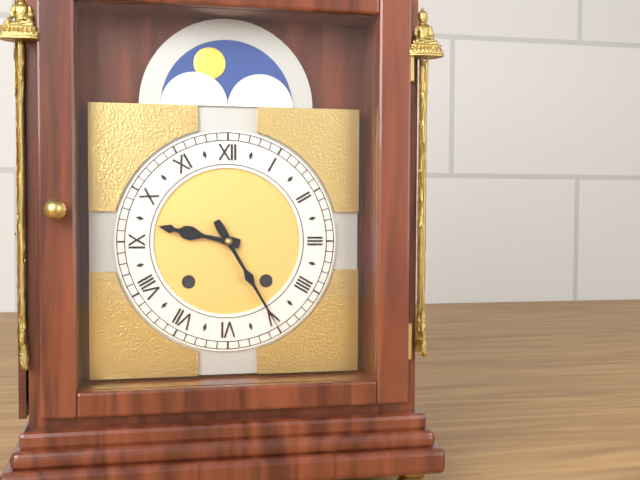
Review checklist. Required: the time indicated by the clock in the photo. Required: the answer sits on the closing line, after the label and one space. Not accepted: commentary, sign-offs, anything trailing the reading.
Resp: 9:25
